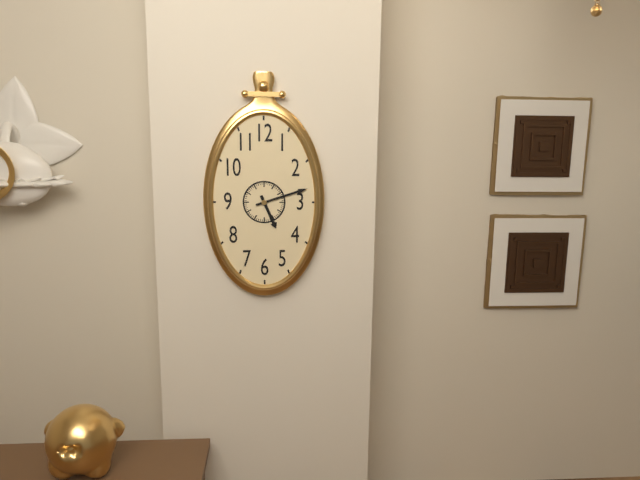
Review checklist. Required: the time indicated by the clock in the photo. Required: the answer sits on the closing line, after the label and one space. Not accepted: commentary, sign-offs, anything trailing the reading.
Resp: 5:12
